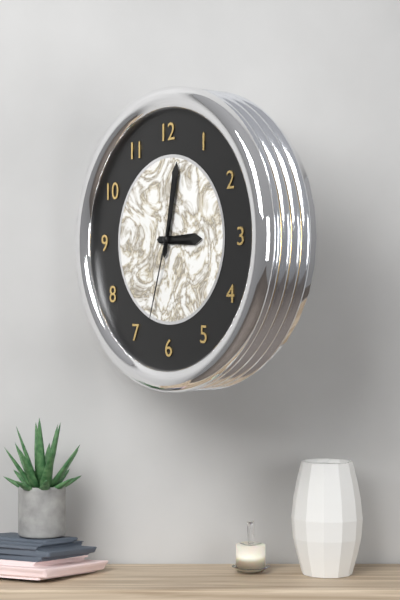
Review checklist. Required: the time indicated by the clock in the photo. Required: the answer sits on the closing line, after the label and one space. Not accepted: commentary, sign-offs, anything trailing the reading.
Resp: 3:02:33
